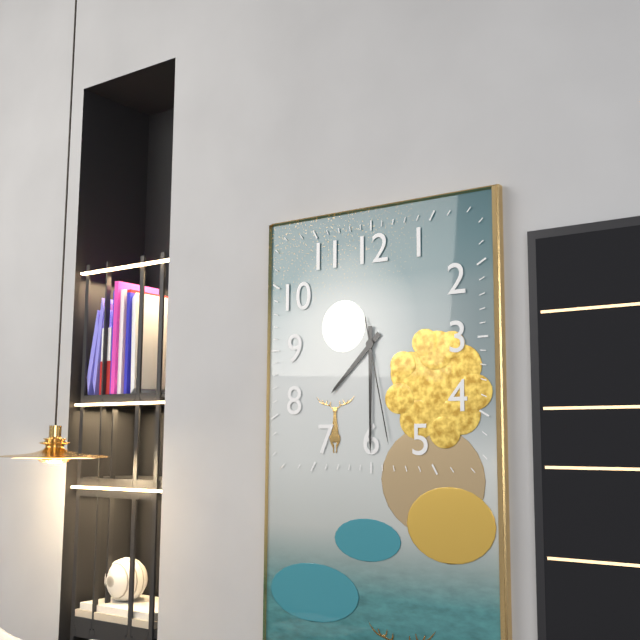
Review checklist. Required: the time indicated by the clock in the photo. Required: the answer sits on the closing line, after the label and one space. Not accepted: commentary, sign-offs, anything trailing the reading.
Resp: 7:30:28
